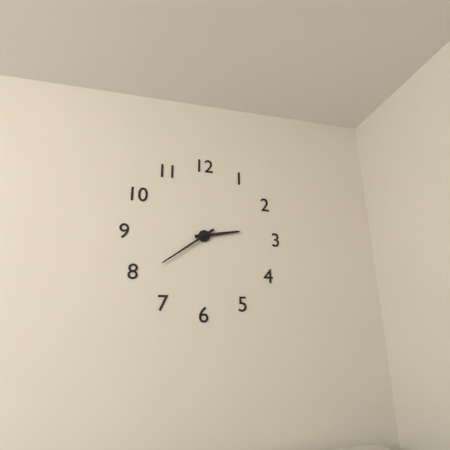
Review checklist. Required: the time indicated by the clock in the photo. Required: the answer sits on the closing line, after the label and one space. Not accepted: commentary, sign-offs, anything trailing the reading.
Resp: 2:39
